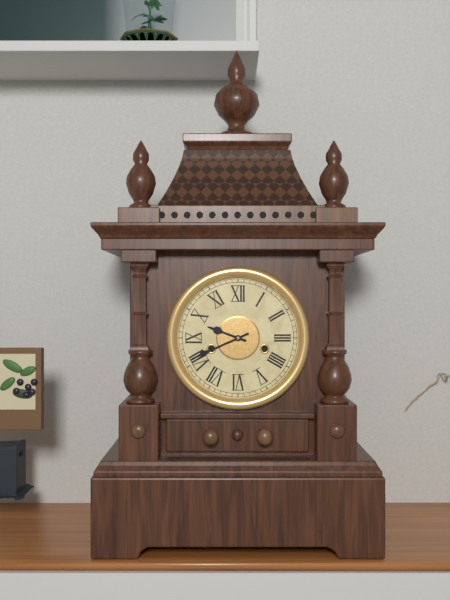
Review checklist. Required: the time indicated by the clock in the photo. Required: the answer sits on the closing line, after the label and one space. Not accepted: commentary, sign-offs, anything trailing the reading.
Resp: 9:41
